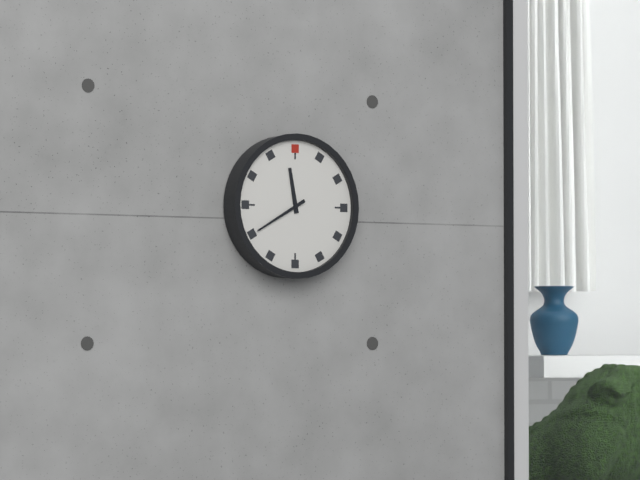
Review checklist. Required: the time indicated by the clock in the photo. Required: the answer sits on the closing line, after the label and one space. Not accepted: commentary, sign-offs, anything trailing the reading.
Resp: 11:40
